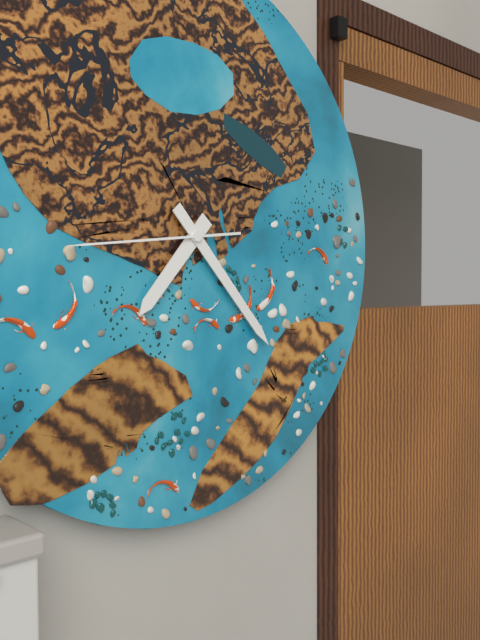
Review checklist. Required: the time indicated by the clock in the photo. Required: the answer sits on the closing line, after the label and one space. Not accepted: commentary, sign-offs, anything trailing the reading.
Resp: 7:23:44
